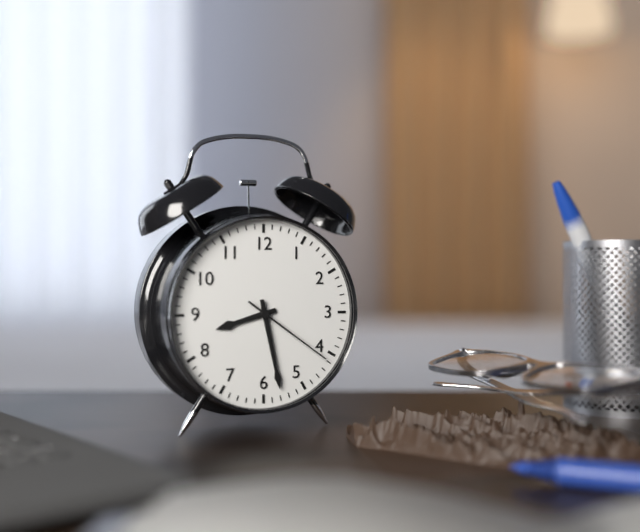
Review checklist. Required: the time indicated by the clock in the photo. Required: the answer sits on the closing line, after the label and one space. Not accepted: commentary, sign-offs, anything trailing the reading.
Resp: 8:28:21
